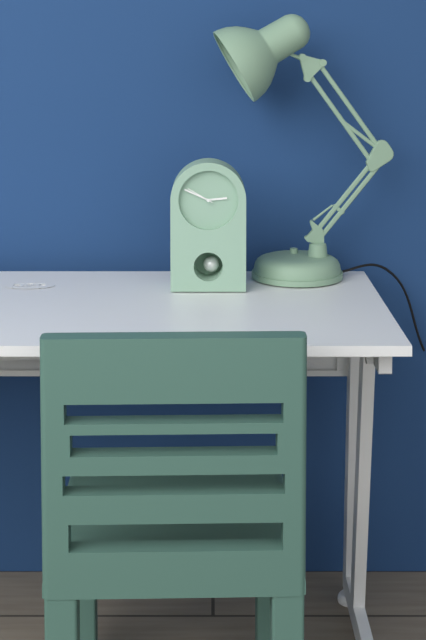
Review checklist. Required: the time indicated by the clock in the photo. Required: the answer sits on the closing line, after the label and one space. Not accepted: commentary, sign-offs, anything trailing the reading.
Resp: 2:49
